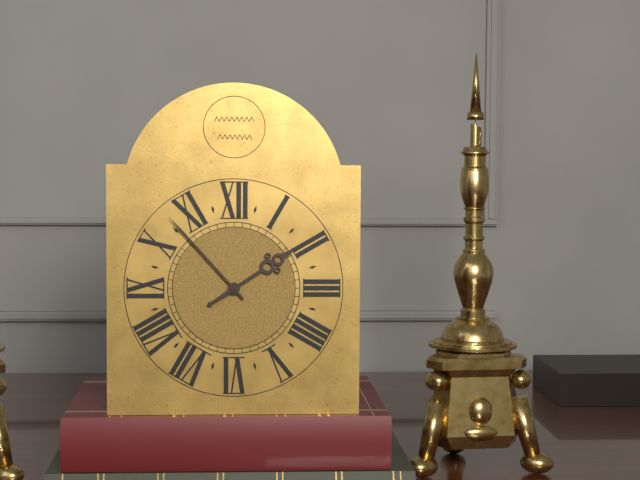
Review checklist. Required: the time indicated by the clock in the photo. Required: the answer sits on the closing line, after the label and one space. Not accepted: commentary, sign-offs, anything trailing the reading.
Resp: 1:53
